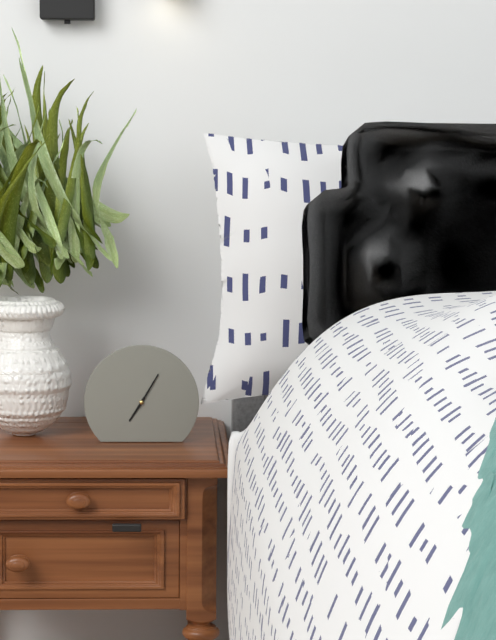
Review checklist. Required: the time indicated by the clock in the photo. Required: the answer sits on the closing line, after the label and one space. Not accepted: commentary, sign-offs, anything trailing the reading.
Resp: 7:05
